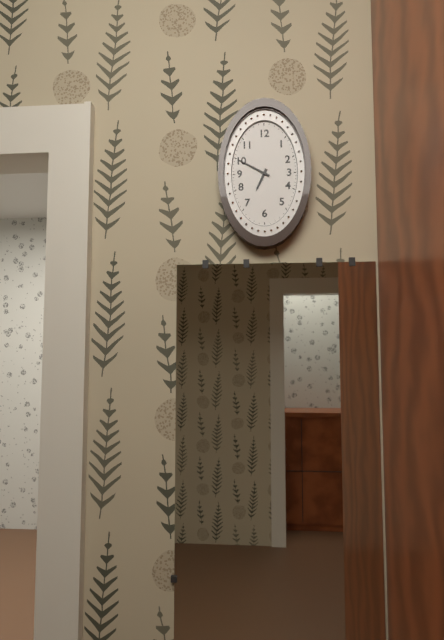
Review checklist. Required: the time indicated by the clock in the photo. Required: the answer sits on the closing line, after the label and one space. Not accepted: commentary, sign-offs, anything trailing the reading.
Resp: 6:50
